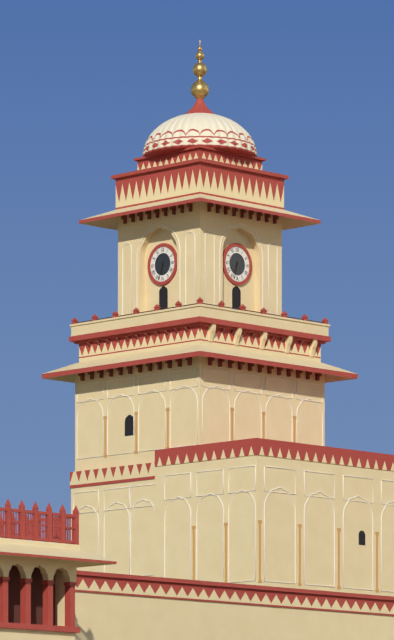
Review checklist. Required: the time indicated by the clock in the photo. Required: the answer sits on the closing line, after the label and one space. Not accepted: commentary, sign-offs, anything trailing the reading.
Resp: 6:33
